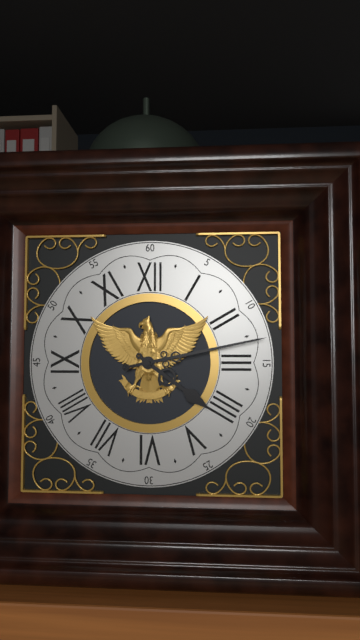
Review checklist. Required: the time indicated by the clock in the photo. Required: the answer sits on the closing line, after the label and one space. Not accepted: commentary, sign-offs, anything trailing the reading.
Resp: 4:13
